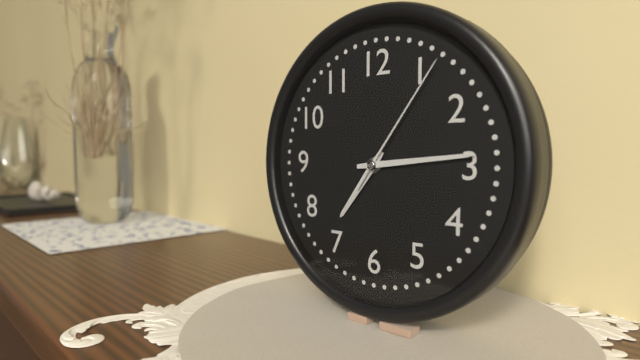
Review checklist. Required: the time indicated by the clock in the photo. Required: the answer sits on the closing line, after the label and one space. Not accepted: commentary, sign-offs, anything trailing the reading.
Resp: 7:14:06
